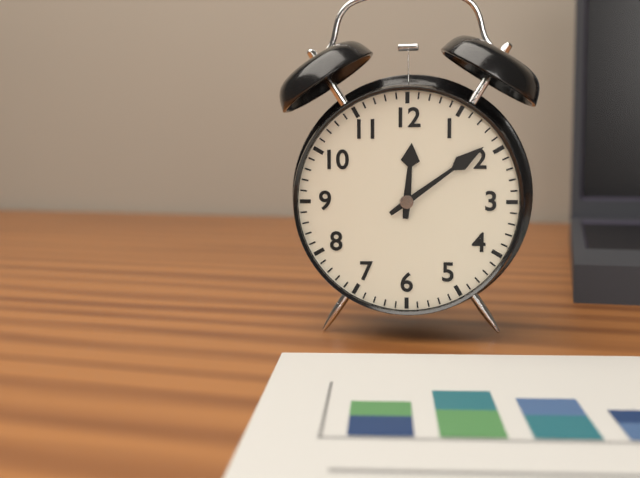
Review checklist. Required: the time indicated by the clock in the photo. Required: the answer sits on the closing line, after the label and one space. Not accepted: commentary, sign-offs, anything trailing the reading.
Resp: 12:09
